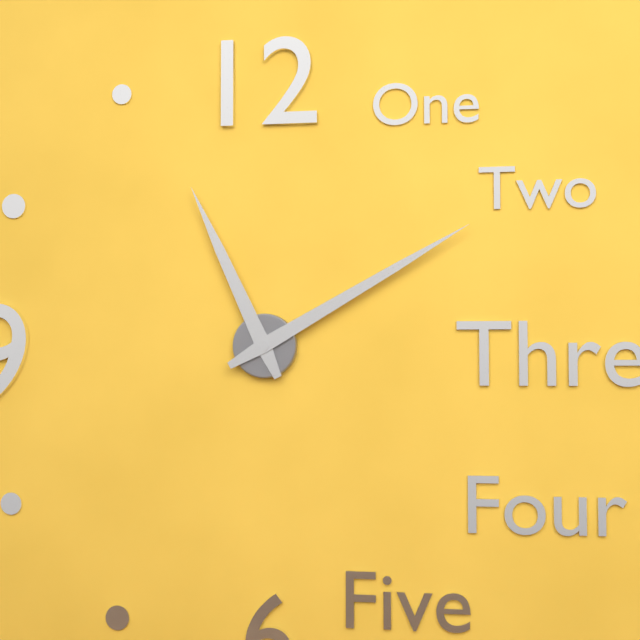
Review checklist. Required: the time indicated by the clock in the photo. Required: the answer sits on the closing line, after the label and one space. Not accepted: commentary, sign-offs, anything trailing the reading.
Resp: 11:10
